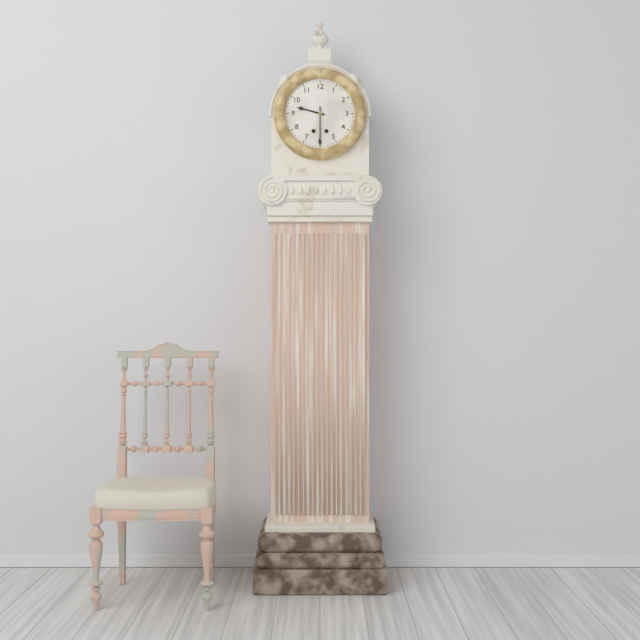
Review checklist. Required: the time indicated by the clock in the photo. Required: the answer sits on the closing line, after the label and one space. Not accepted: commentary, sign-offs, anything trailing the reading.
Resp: 9:30
